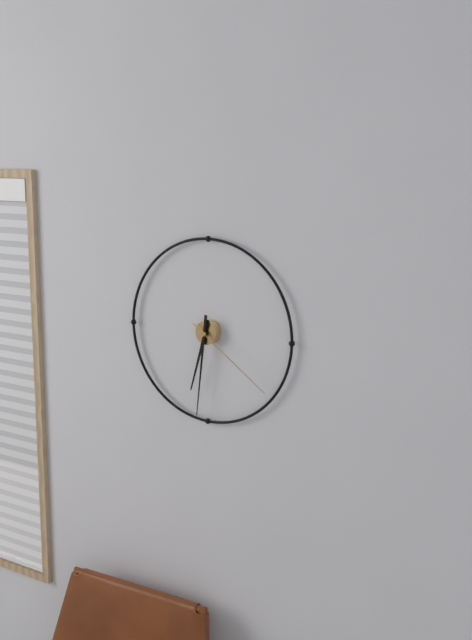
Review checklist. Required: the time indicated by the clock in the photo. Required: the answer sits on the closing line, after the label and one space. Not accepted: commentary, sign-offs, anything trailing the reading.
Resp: 6:31:21
